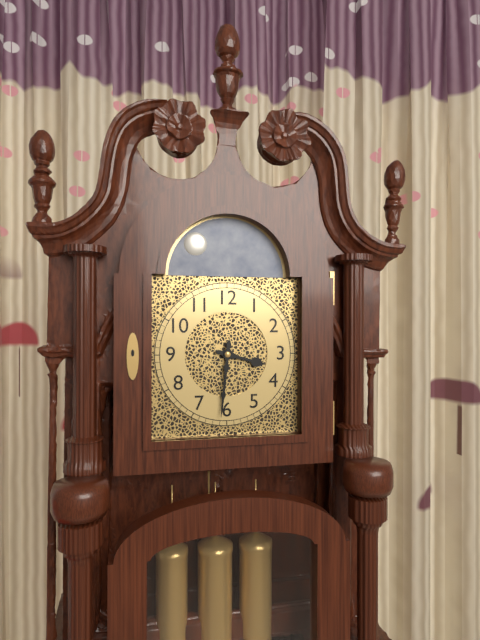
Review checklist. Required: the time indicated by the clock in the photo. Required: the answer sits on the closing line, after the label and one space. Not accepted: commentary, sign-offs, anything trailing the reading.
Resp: 3:31
